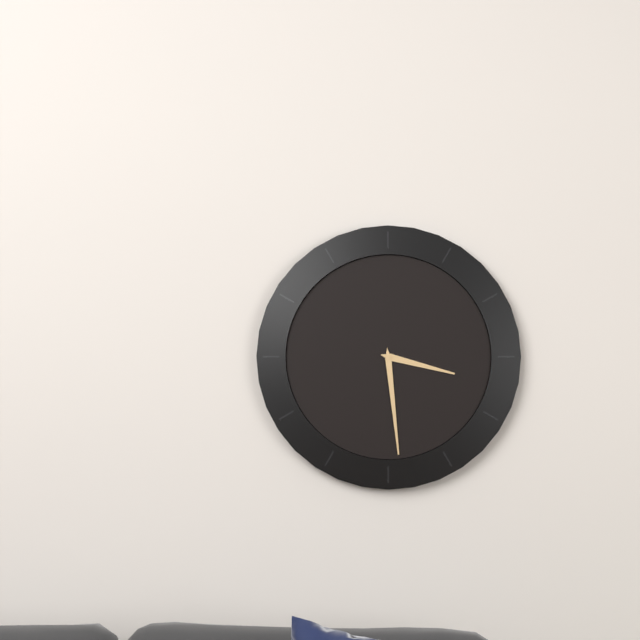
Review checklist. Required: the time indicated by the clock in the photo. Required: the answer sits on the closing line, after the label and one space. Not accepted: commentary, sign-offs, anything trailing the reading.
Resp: 3:29
